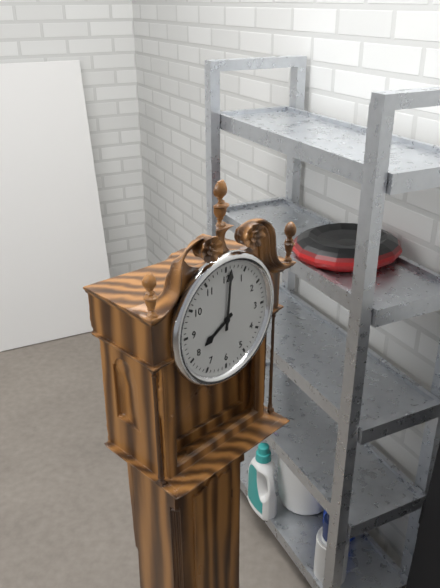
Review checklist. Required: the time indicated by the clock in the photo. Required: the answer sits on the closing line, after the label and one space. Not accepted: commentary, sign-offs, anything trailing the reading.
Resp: 8:01
